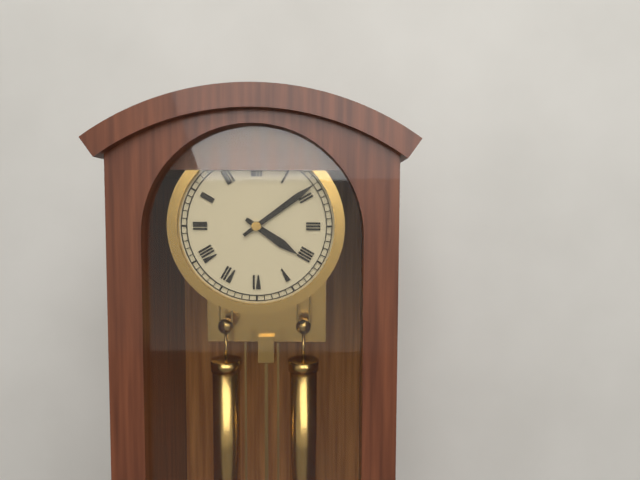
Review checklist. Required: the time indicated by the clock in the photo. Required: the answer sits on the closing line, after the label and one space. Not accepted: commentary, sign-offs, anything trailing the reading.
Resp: 4:09
